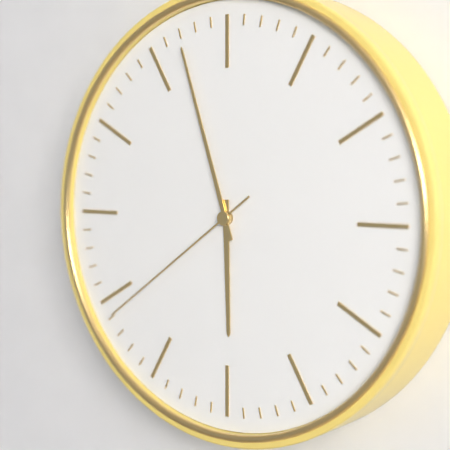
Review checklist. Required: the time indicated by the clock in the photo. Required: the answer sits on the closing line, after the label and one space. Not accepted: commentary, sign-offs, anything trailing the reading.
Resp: 5:57:39
